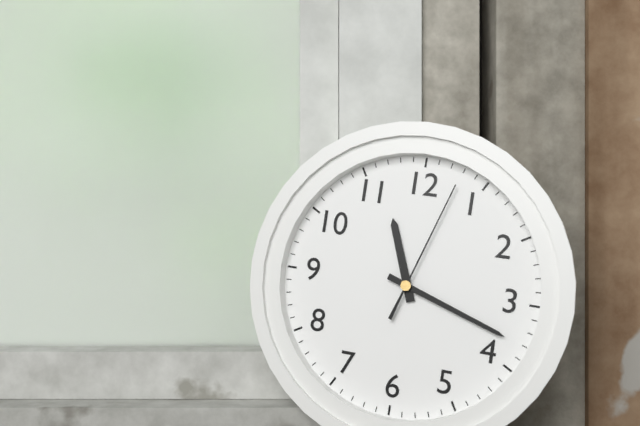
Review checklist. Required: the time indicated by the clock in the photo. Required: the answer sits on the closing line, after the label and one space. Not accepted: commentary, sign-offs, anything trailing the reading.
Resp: 11:18:03
